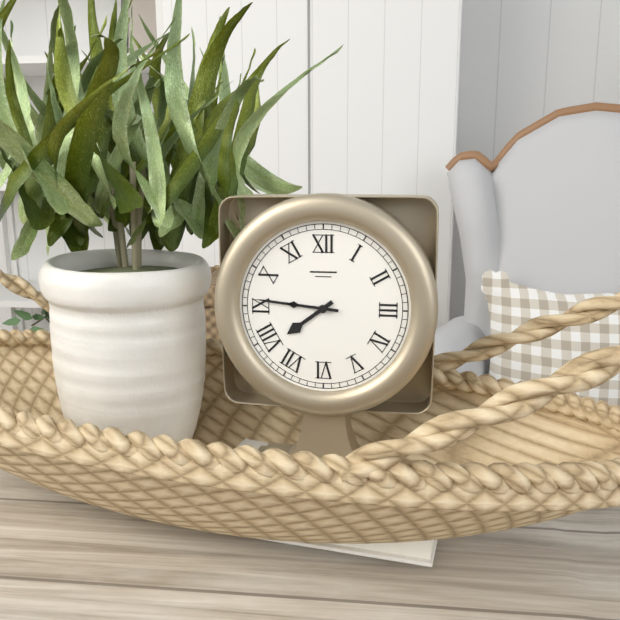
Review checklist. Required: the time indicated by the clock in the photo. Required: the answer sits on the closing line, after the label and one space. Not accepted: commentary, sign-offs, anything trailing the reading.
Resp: 7:46
